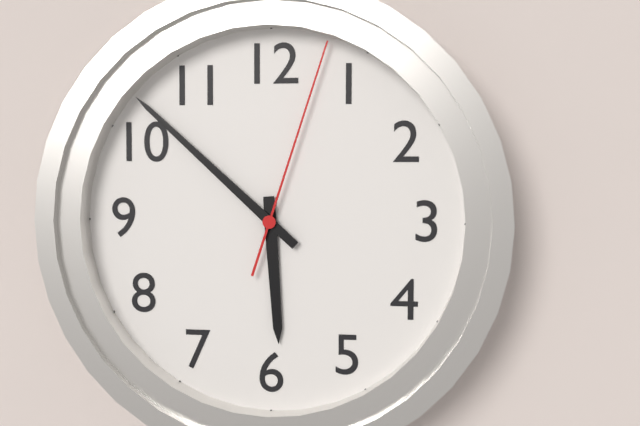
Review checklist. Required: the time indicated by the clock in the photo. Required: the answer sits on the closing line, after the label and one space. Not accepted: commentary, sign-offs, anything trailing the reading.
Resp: 5:52:03
